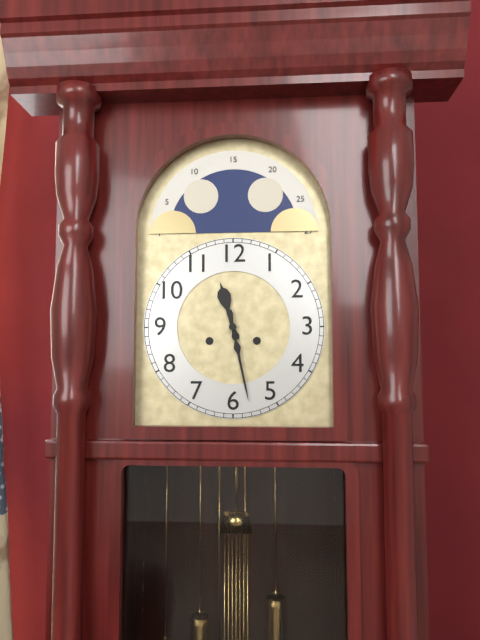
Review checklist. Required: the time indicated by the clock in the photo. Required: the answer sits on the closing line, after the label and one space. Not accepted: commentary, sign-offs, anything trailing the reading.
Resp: 11:28
